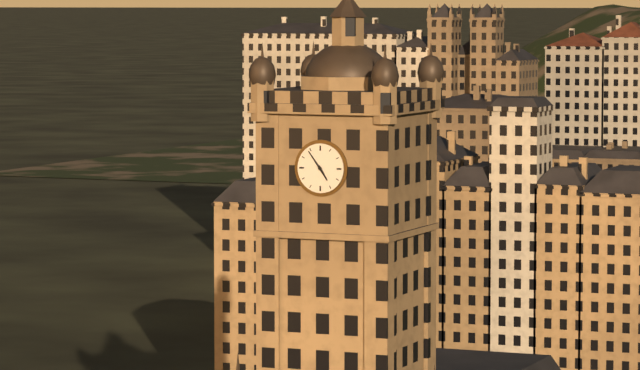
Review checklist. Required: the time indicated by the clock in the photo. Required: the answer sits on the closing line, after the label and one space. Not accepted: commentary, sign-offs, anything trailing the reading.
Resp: 4:54
